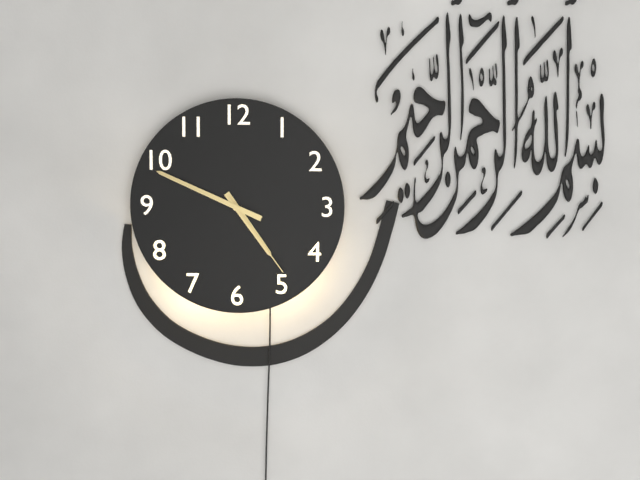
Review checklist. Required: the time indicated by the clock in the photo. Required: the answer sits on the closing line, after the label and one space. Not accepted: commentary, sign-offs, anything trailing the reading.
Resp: 4:49:24
